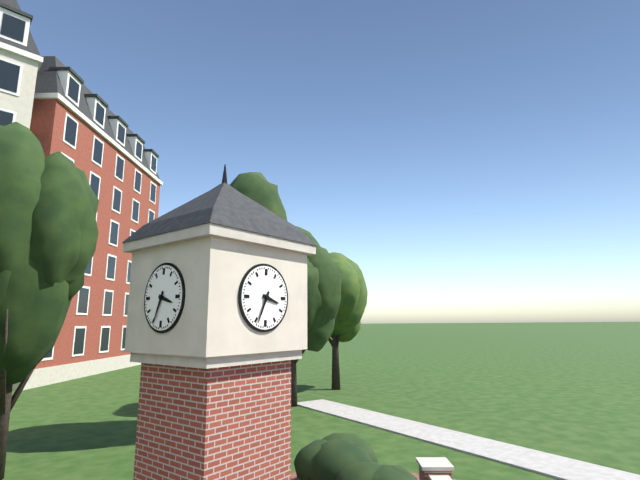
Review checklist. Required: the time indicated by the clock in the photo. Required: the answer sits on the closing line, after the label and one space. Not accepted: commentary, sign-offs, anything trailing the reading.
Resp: 3:34
